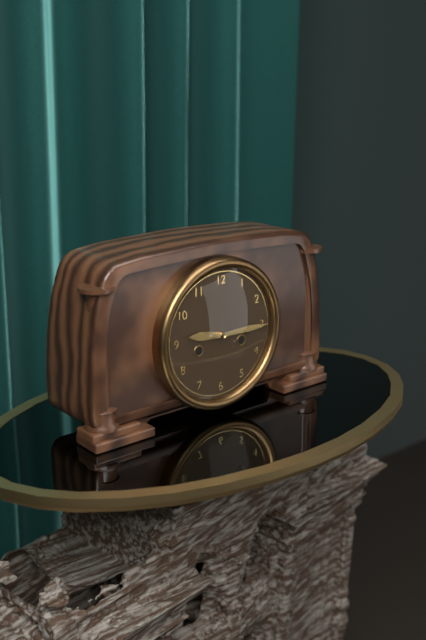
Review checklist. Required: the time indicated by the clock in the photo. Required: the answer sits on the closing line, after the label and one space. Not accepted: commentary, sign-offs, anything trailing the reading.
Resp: 9:15
